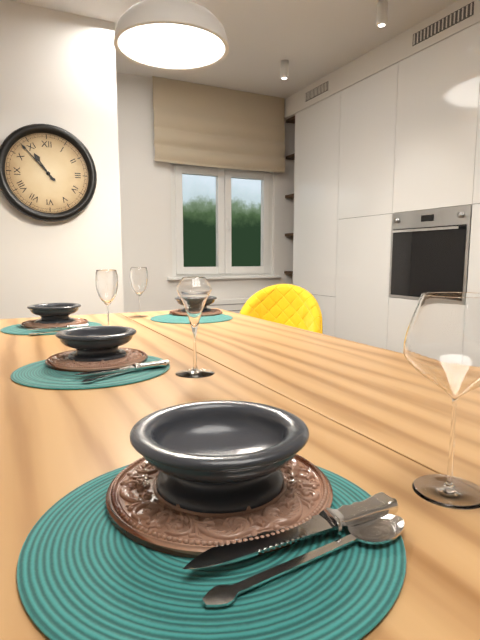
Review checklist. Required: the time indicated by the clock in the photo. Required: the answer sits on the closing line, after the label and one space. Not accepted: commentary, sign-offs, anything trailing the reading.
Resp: 10:53
